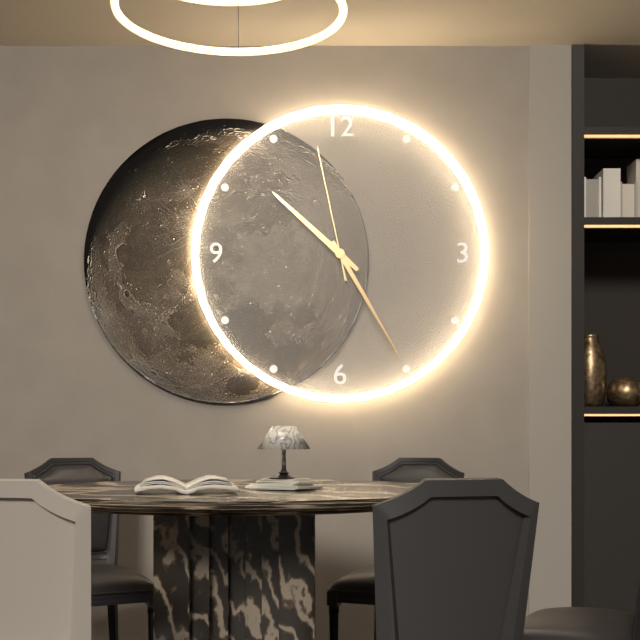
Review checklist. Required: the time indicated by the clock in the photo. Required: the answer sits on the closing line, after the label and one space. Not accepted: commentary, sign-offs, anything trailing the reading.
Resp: 10:25:58
